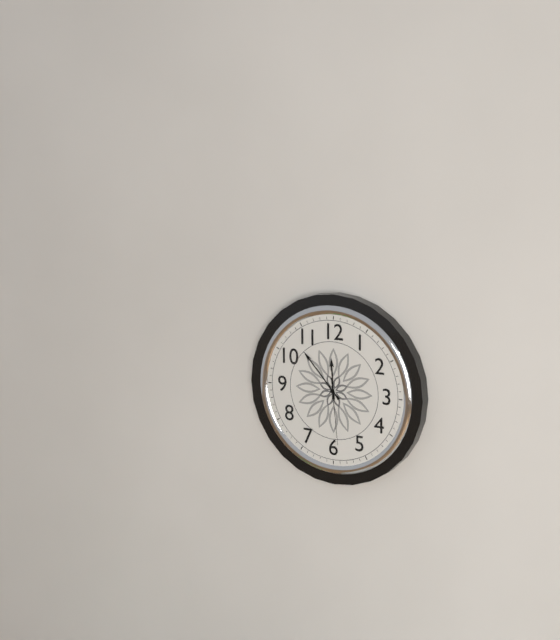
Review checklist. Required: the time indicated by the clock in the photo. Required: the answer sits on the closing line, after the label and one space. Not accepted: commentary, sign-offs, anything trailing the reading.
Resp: 11:53:29
